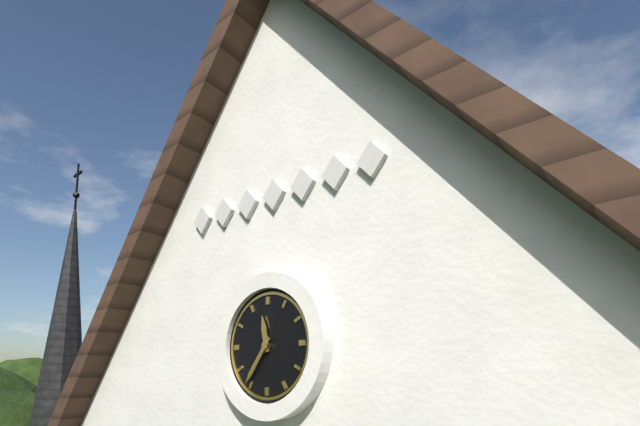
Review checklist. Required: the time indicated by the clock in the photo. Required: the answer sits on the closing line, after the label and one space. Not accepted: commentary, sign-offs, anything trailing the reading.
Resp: 11:36
